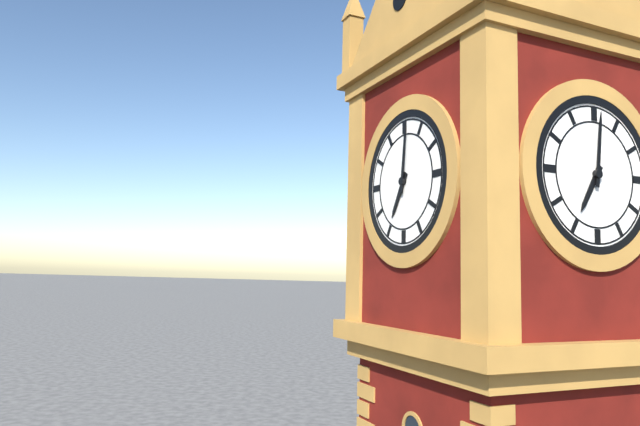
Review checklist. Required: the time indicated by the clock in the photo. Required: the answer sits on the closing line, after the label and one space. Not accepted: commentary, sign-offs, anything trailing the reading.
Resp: 7:01
